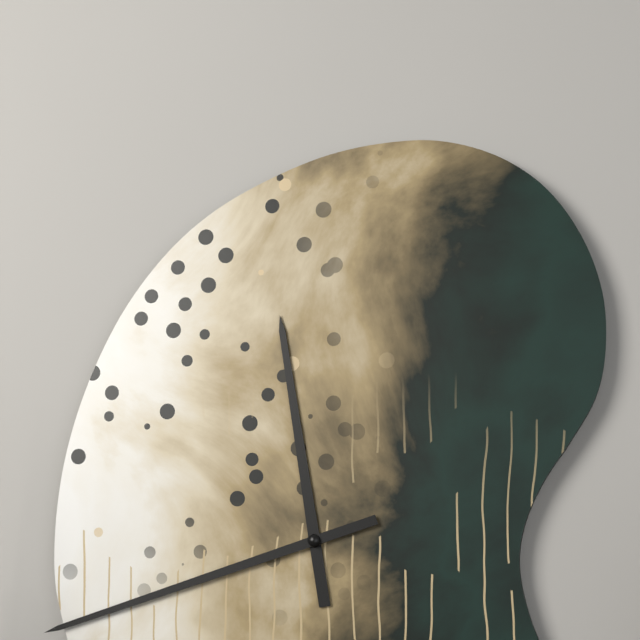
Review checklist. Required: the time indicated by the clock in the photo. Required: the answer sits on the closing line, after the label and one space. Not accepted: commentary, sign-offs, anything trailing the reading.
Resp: 11:42
